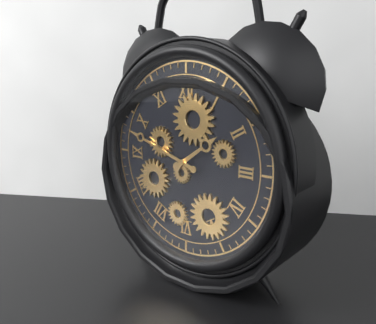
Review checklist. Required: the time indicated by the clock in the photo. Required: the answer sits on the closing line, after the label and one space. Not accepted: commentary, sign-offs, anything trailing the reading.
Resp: 1:48
